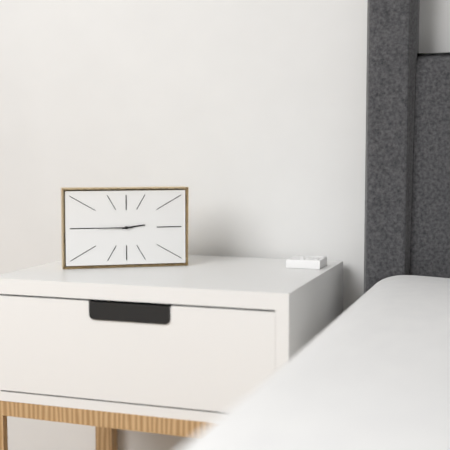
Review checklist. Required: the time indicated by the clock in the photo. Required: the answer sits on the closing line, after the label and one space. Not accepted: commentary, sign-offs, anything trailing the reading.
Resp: 2:45
